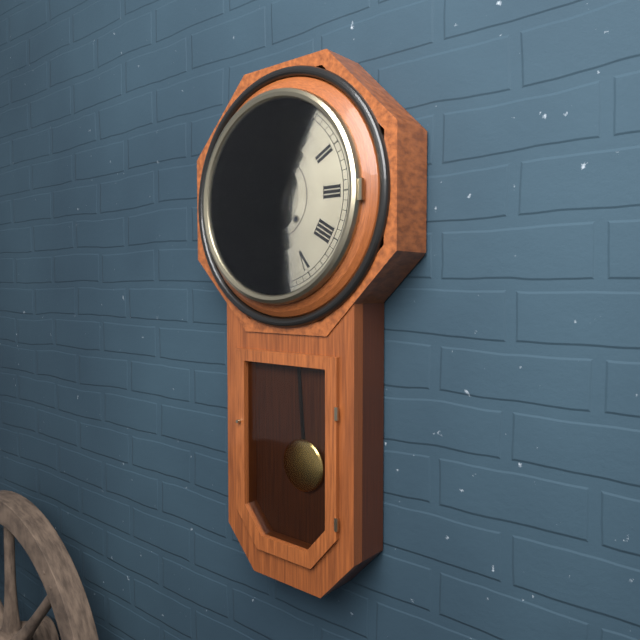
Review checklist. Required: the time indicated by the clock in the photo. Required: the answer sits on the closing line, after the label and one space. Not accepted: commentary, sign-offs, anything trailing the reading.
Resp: 6:38
